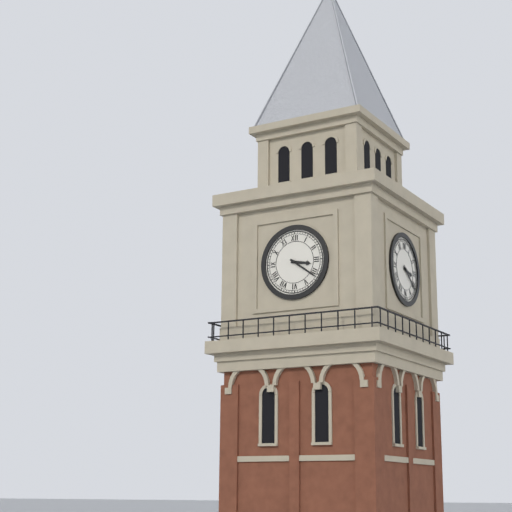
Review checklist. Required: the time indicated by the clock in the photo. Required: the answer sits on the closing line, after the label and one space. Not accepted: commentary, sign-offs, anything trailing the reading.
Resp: 3:21
